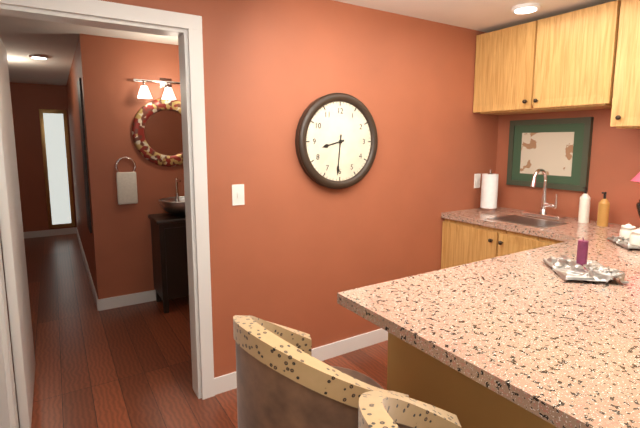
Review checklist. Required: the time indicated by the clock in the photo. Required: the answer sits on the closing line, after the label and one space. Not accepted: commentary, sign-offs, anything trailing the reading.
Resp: 8:31
